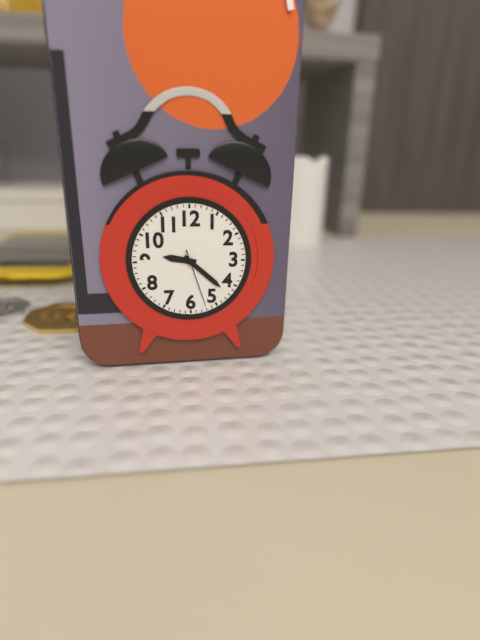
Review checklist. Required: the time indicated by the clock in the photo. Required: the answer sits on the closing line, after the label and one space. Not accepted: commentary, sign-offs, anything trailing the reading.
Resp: 9:22:27
